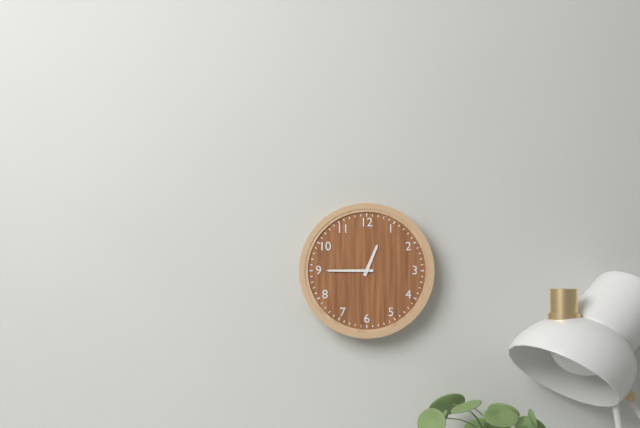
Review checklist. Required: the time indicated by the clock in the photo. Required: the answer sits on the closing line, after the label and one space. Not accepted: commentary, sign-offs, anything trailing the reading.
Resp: 12:45
